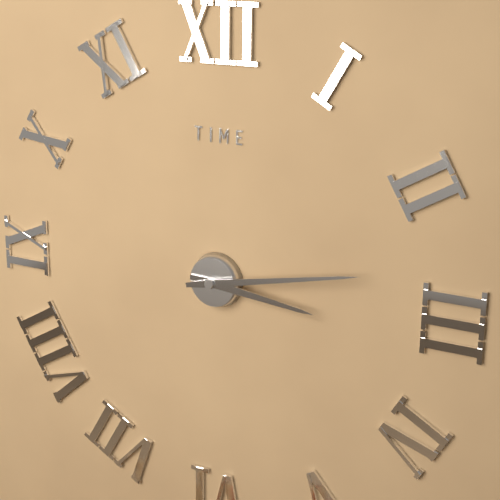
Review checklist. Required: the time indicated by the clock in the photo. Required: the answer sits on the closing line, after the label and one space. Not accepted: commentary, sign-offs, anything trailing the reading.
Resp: 3:13
